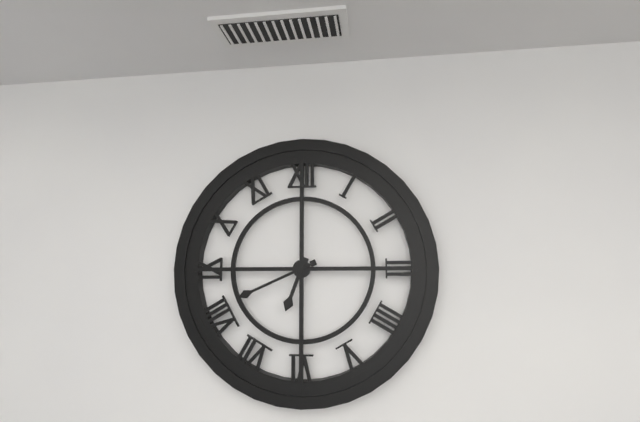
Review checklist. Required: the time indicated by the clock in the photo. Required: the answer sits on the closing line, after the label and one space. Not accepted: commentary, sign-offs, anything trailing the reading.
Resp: 6:41
